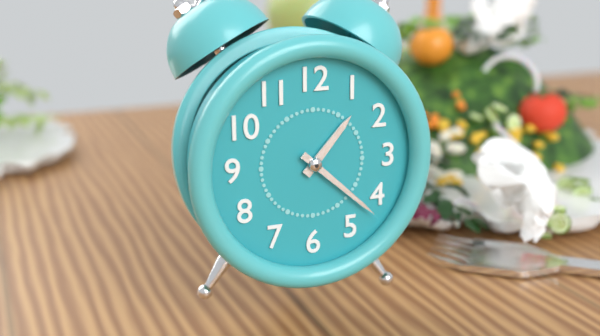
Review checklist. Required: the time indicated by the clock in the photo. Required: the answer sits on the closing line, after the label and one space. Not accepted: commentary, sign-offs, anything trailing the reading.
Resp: 1:22
